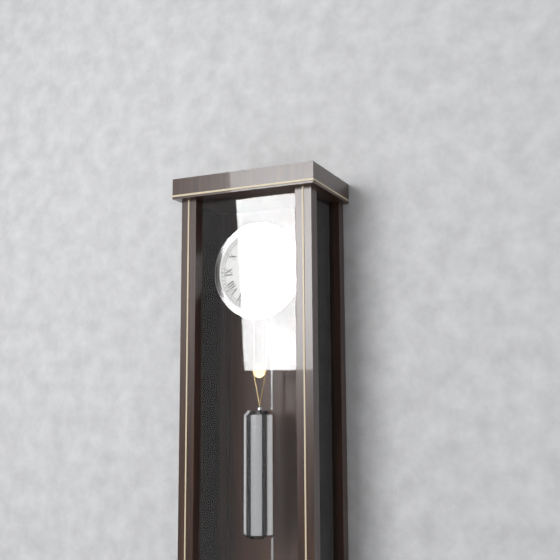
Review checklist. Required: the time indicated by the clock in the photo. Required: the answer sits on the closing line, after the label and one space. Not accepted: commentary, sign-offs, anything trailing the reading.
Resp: 4:19
